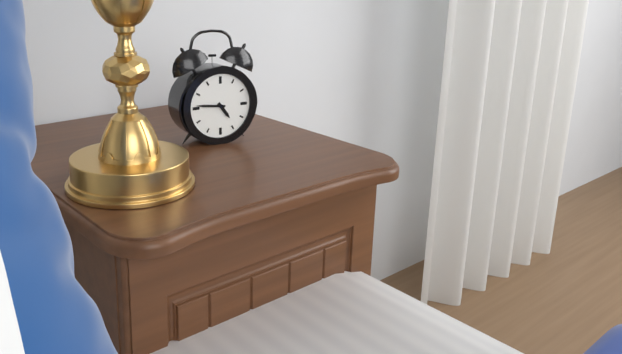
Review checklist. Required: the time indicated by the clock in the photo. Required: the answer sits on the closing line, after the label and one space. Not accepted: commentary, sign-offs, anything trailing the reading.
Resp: 4:46
